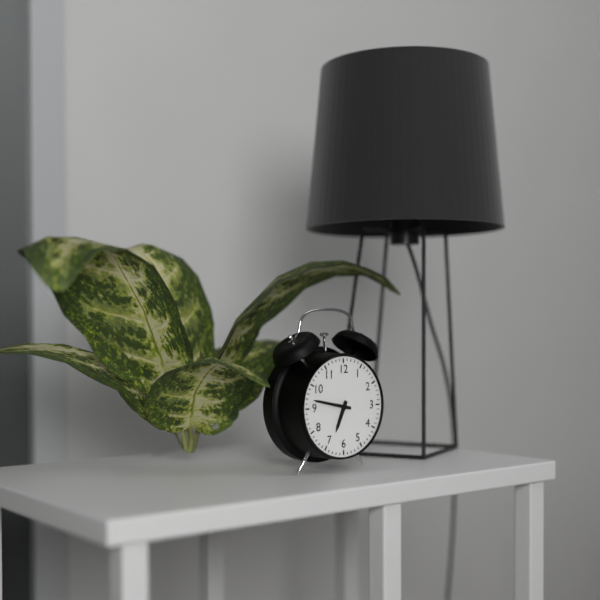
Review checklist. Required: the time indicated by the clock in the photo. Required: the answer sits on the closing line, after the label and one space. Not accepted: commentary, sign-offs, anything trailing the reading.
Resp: 6:47
